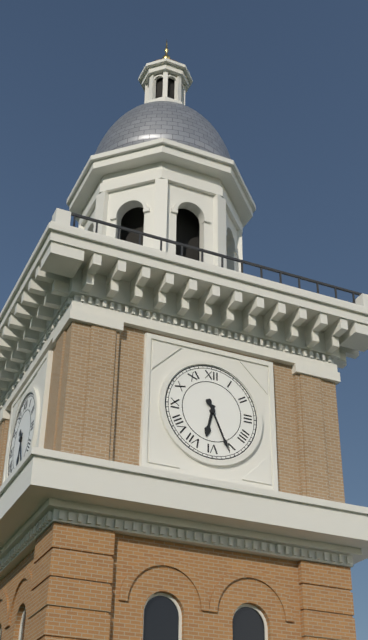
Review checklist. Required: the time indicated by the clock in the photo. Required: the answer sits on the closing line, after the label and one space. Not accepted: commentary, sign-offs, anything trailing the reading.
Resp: 6:26
